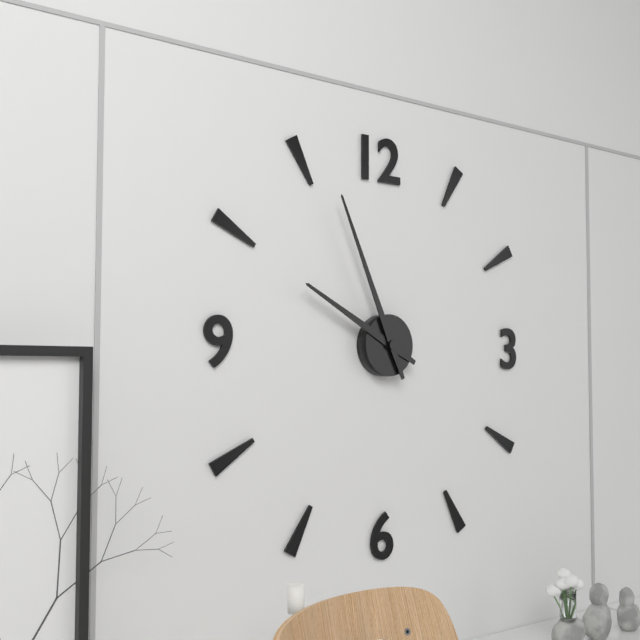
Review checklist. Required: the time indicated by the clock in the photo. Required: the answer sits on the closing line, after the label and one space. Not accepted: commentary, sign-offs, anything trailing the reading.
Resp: 9:56
